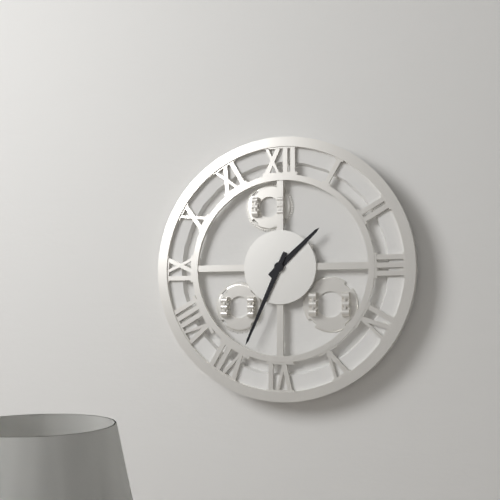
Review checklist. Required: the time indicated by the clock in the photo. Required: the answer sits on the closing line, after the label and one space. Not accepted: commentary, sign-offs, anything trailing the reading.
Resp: 1:34
